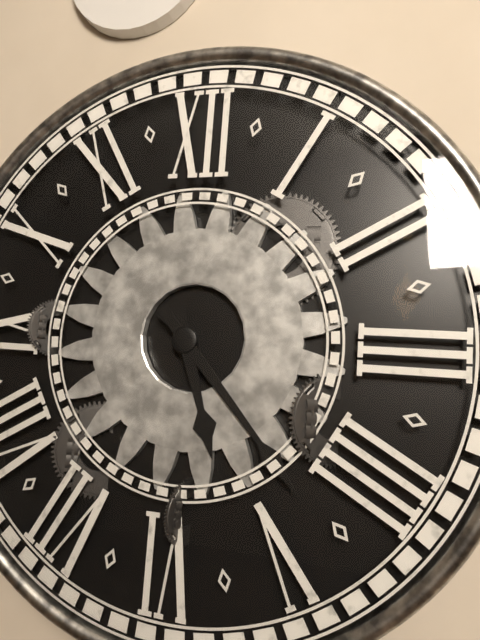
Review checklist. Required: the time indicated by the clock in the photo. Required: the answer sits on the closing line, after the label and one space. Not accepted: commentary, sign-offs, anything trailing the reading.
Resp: 5:23
